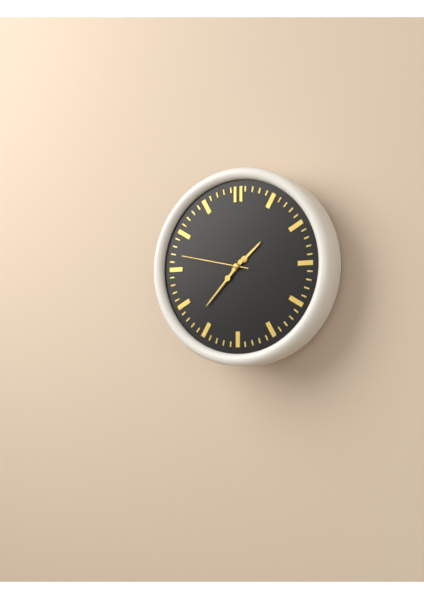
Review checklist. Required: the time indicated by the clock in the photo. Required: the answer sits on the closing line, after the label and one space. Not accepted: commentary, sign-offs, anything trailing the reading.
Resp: 1:37:47
